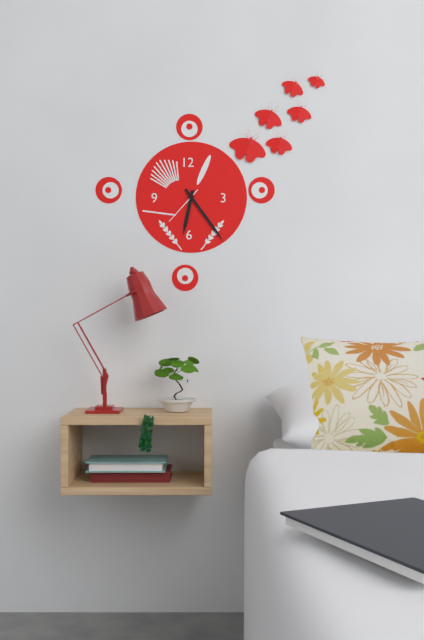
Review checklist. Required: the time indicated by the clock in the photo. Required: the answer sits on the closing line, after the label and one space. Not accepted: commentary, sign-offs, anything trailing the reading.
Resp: 6:24
